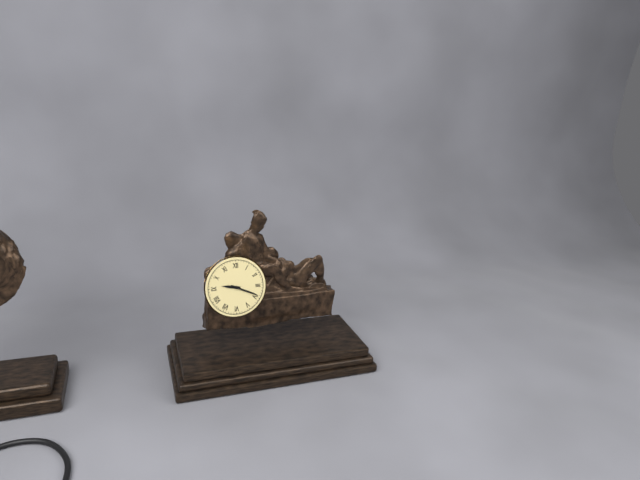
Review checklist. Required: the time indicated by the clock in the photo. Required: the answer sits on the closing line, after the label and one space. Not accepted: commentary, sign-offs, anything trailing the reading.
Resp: 9:19
